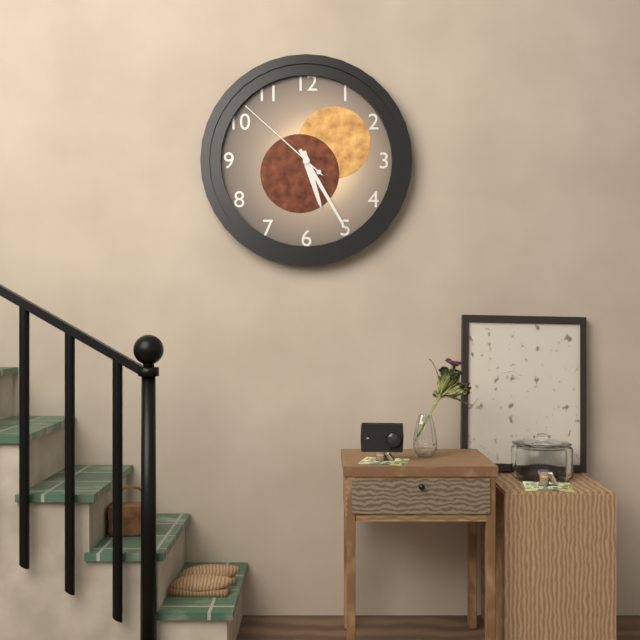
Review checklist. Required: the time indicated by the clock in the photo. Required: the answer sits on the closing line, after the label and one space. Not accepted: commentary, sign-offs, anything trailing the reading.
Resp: 5:25:52
